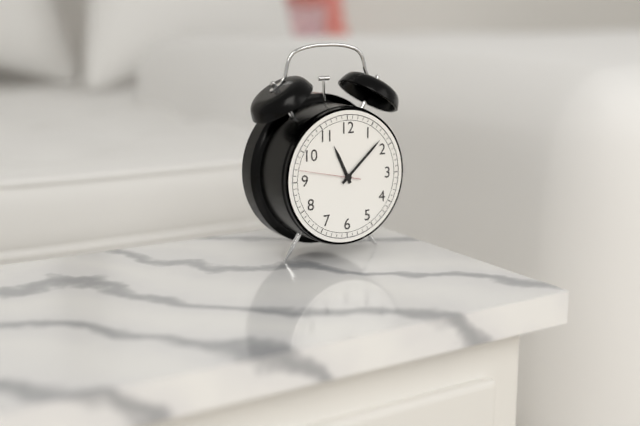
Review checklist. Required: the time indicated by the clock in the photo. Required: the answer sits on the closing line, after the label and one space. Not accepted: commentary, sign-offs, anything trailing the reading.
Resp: 11:08:47
